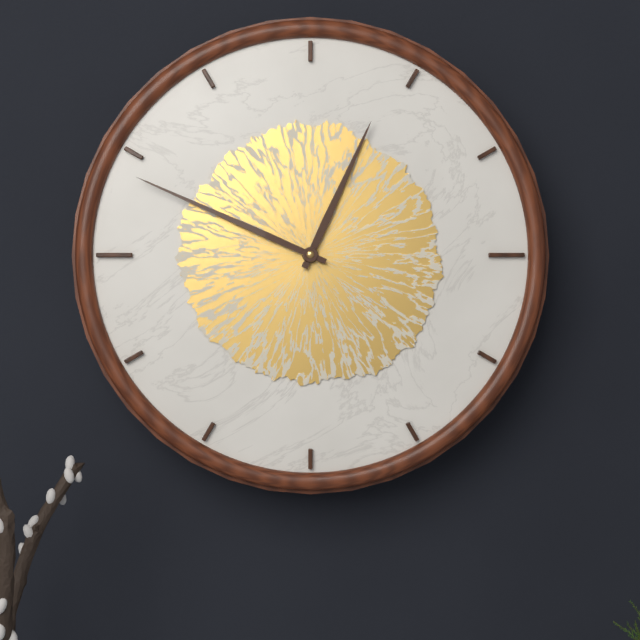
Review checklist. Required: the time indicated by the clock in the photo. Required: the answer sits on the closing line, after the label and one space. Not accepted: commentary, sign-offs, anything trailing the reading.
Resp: 12:49
